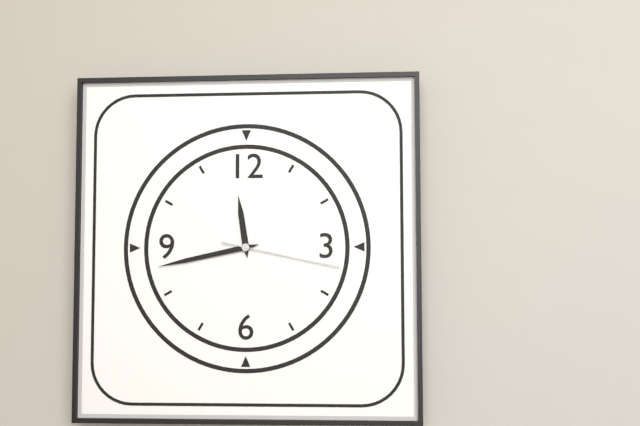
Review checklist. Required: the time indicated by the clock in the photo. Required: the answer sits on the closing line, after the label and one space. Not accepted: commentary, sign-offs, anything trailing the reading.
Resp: 11:43:17
